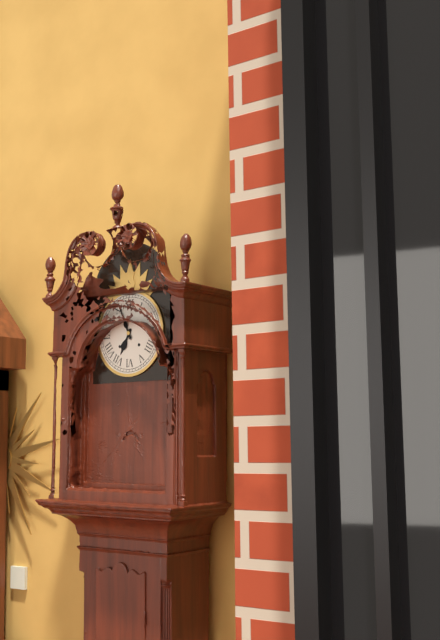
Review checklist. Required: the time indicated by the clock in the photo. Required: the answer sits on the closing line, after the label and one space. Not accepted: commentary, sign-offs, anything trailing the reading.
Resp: 6:56
